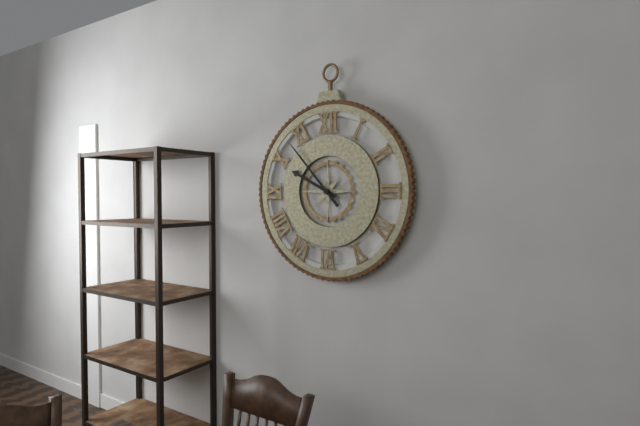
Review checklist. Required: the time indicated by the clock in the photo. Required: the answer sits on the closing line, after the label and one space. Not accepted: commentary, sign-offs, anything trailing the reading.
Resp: 9:53
